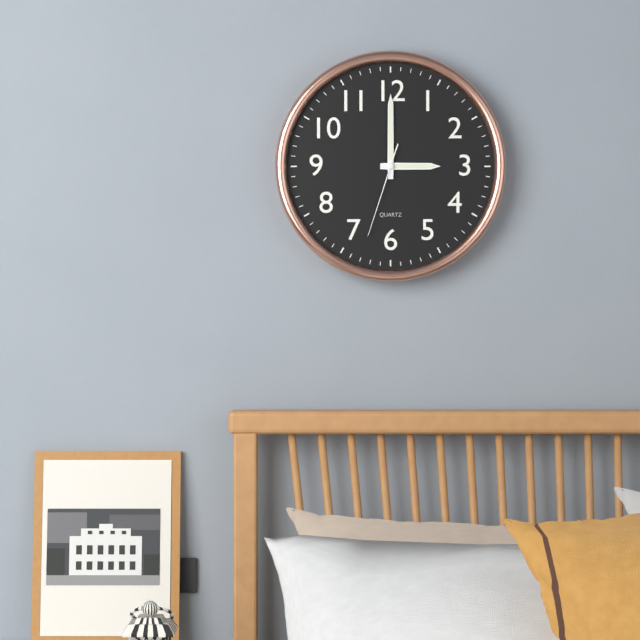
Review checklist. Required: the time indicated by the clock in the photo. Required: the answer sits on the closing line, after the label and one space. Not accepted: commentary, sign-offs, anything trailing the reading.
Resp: 3:00:33
